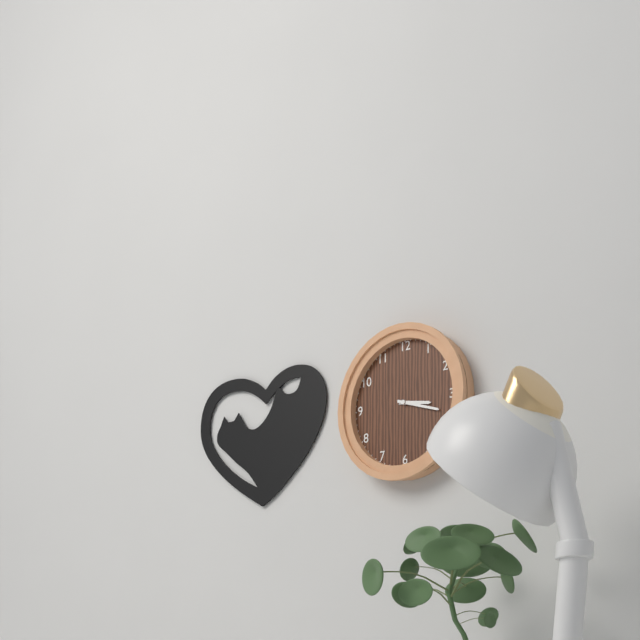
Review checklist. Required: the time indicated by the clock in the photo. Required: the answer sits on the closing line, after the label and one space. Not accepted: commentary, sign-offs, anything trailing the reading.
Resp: 3:18
